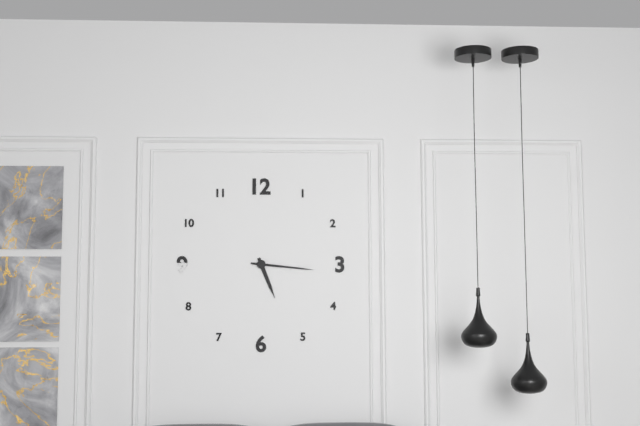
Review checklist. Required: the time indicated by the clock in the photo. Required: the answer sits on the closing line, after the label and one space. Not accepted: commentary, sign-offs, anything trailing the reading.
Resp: 5:16
